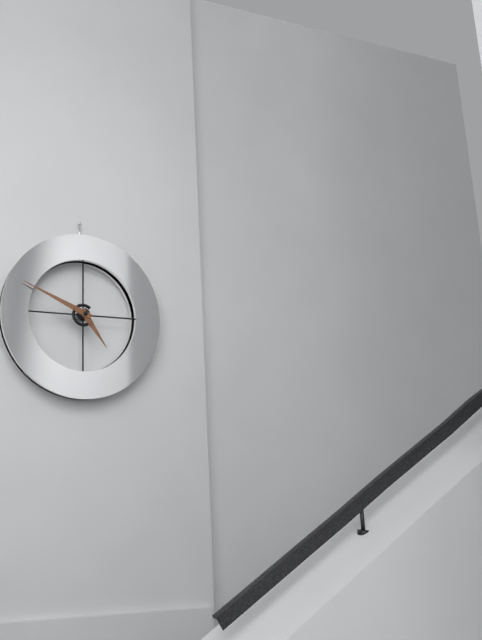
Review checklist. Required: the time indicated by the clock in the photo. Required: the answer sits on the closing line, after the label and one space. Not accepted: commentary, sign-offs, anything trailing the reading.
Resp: 4:49
